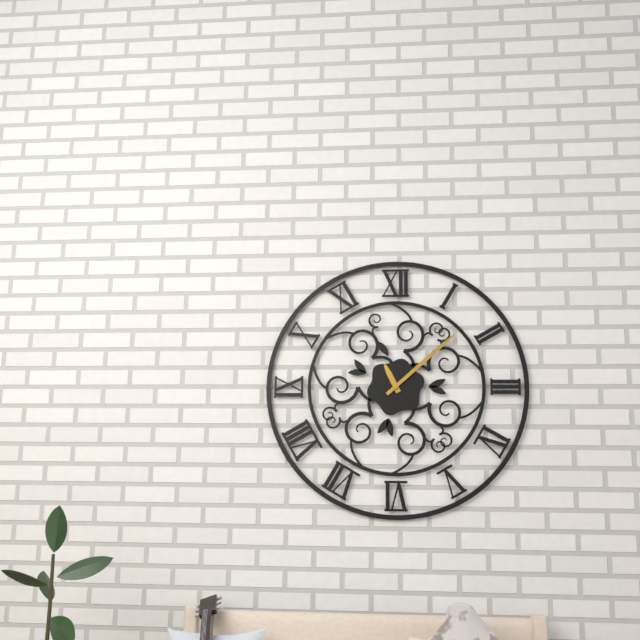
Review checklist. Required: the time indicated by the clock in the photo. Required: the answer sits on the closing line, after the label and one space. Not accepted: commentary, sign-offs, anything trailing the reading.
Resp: 11:08
